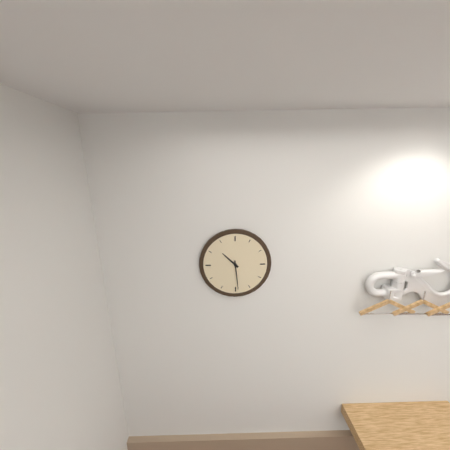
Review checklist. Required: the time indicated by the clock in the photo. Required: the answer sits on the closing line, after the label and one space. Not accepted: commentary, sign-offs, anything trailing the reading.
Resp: 10:29
